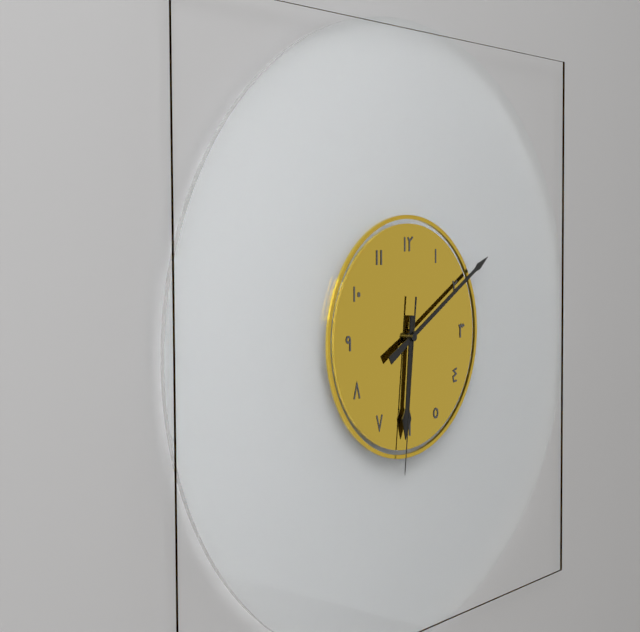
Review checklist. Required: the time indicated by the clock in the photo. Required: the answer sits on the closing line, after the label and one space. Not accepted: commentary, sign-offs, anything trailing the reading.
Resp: 6:10:31
